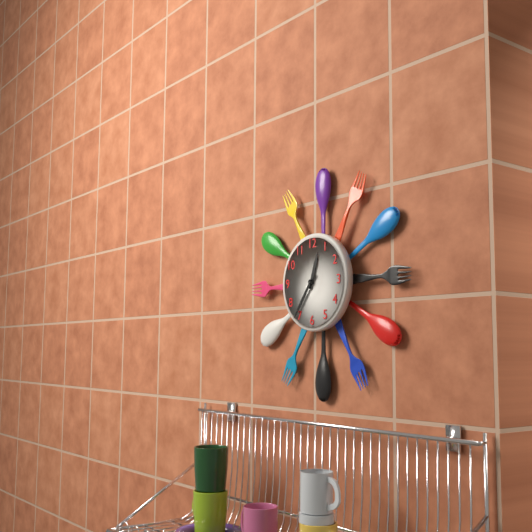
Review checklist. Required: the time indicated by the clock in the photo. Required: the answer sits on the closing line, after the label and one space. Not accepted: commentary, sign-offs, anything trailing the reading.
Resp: 12:36
